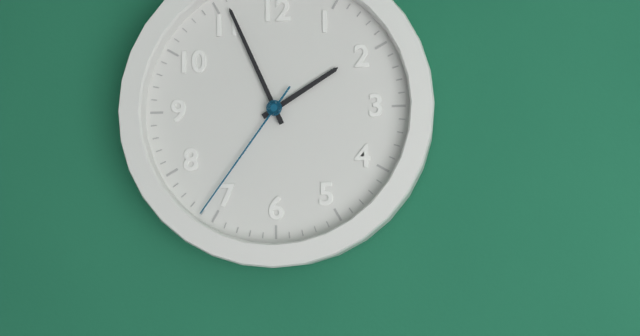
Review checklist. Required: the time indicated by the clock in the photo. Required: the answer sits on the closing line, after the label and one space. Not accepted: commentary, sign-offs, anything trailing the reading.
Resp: 1:56:36
